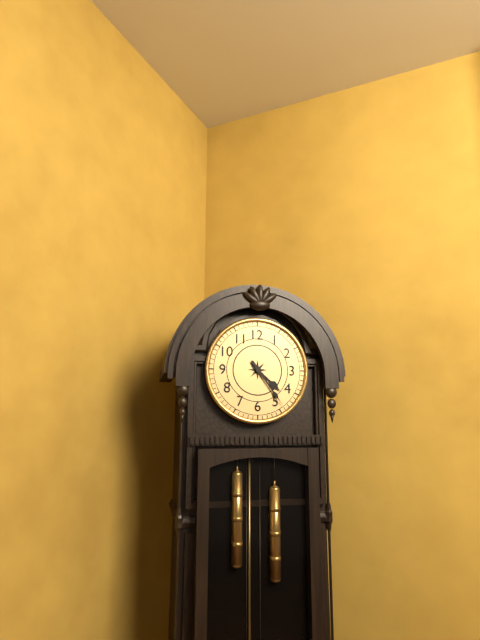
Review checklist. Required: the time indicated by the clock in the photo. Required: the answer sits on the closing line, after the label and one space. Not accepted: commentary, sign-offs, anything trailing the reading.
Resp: 4:24
